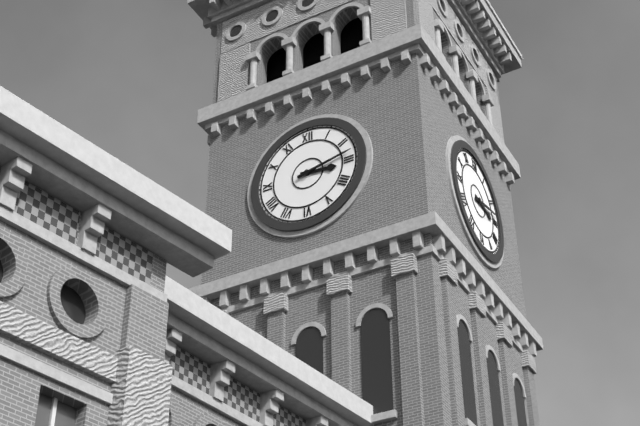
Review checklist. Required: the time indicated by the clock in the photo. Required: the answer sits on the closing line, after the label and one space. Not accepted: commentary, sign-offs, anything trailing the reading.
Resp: 3:13
